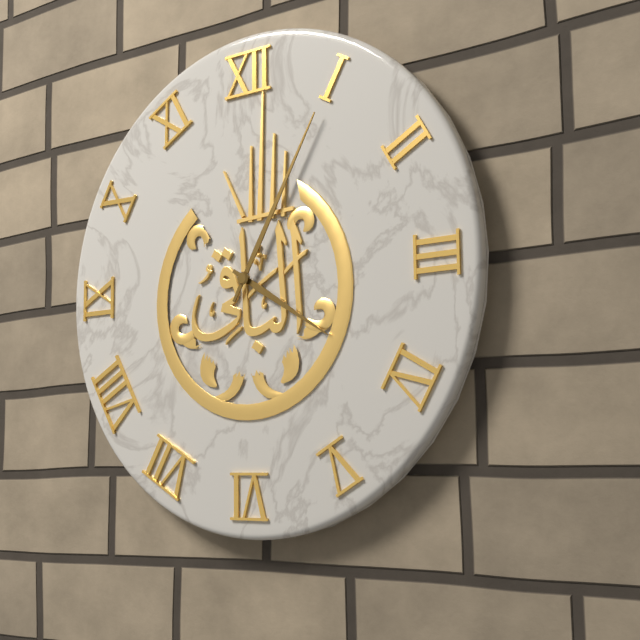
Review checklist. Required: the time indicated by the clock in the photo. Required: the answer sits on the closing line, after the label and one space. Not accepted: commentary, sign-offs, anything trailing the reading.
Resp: 4:05
